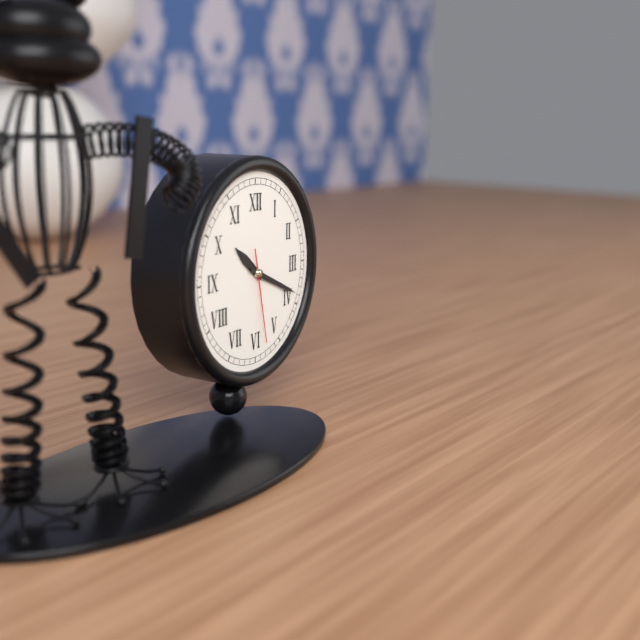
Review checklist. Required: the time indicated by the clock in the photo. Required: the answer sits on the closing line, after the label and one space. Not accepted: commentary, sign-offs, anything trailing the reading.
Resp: 10:19:28
